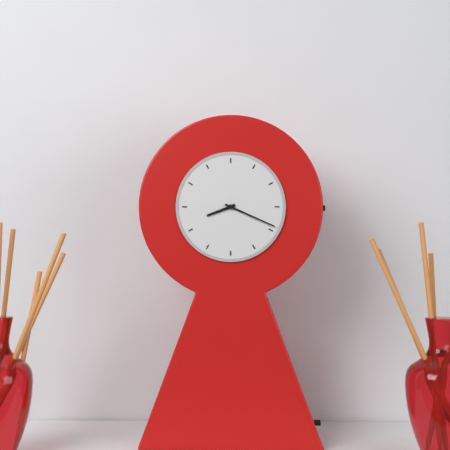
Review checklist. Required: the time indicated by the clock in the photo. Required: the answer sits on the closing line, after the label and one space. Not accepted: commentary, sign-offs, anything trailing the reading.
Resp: 8:19
